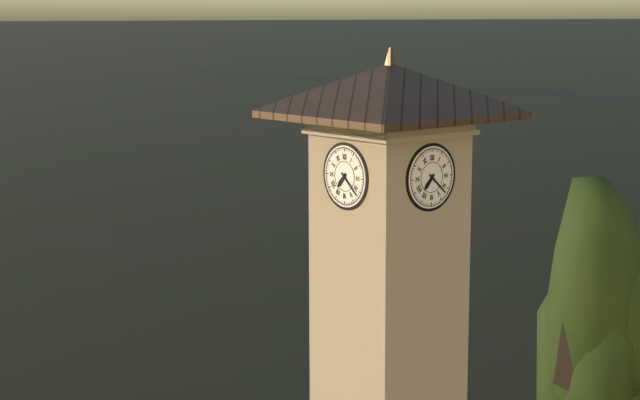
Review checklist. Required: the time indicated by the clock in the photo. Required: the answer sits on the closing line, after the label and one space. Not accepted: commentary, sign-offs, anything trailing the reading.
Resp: 7:22
